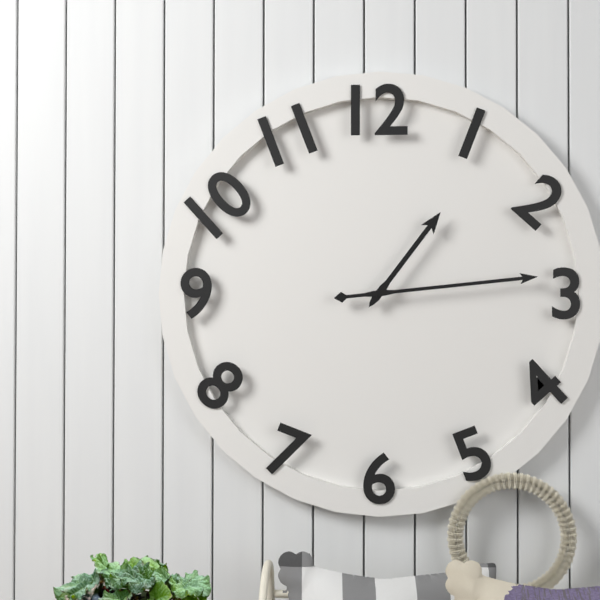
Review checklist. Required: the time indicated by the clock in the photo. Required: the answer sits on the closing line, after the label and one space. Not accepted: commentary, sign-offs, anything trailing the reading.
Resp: 1:14
